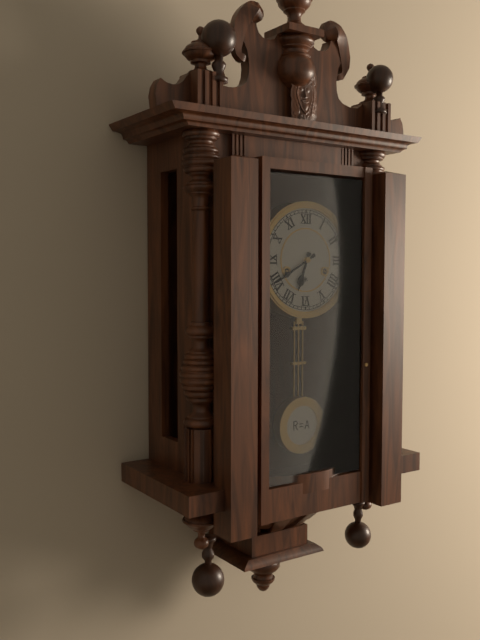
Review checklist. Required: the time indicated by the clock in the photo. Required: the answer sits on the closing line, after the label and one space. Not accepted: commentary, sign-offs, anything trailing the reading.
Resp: 6:40
